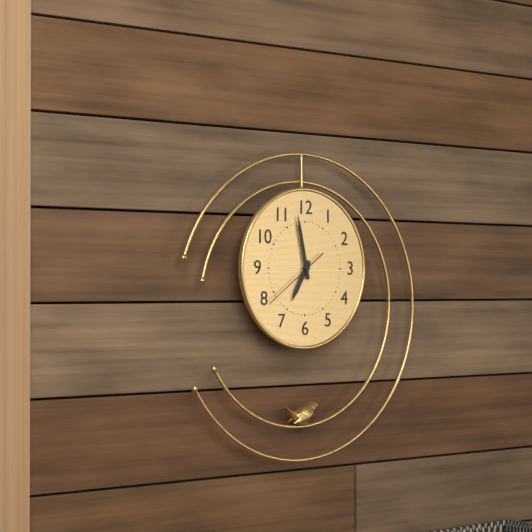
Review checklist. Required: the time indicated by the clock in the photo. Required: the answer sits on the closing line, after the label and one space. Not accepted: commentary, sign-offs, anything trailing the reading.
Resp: 6:58:39
